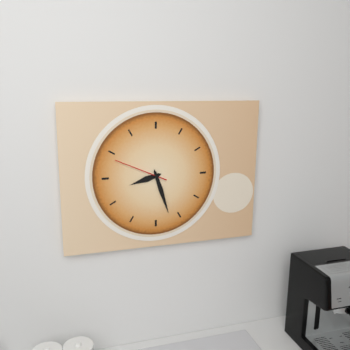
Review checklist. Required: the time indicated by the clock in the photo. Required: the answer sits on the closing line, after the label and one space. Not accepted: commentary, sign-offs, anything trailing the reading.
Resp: 8:27:49
